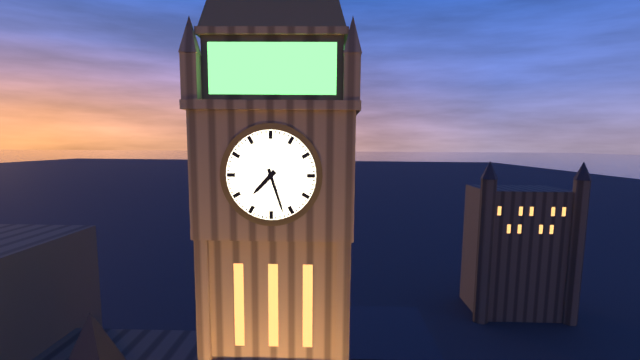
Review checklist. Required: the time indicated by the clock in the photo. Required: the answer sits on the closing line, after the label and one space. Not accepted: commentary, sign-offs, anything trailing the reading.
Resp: 7:27
